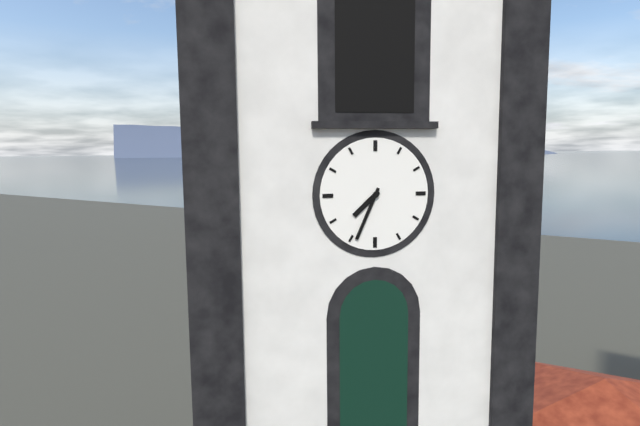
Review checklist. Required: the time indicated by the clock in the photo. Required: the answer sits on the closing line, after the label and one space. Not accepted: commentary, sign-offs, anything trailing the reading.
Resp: 7:34
